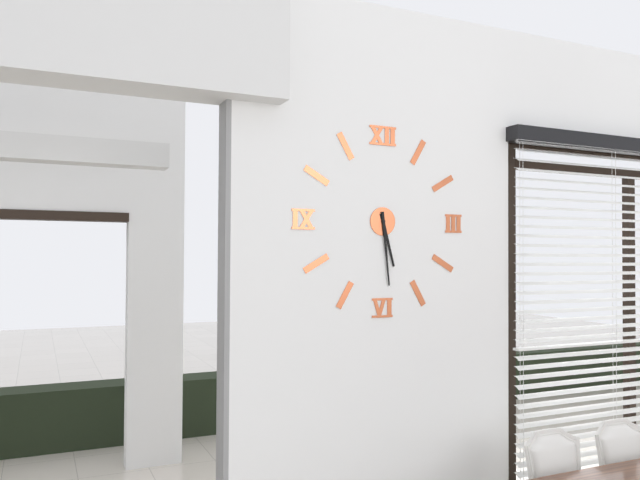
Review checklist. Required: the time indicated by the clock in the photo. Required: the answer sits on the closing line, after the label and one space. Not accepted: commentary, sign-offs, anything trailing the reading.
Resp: 5:29
